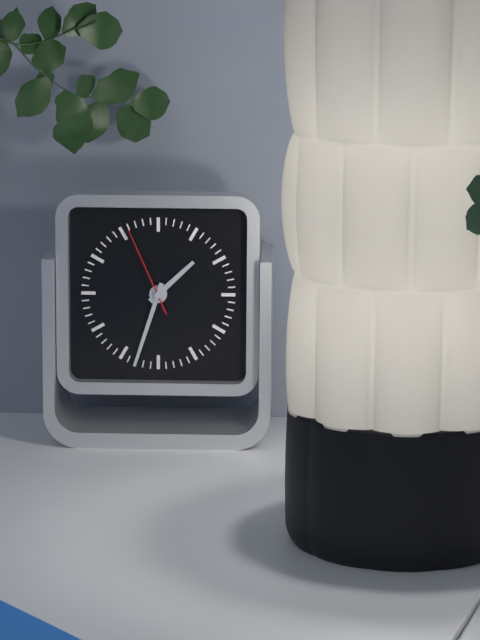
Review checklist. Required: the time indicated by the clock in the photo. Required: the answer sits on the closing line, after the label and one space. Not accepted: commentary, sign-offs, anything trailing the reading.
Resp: 1:33:56
